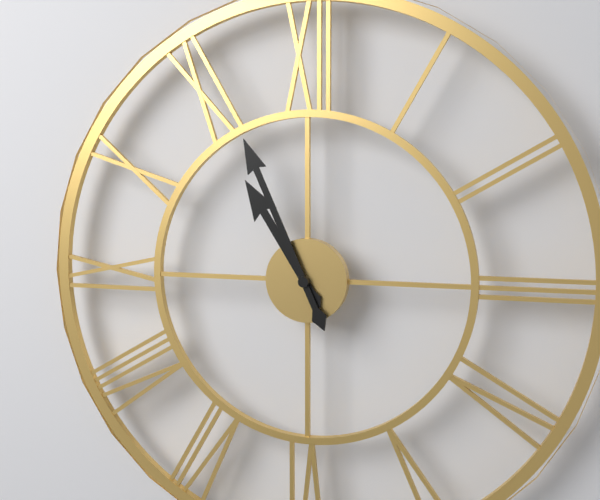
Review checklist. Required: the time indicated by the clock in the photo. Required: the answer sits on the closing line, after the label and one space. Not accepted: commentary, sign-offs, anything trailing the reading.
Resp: 10:56
